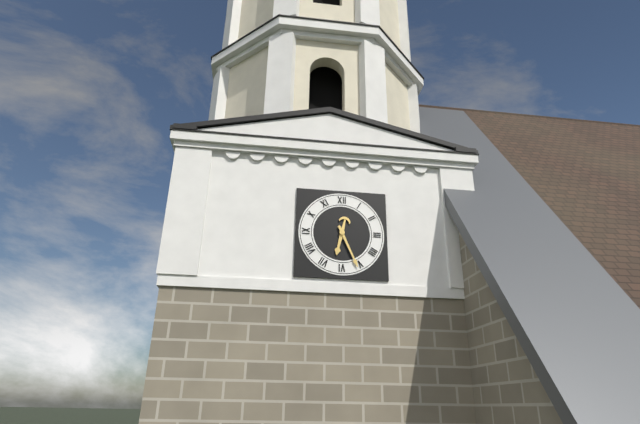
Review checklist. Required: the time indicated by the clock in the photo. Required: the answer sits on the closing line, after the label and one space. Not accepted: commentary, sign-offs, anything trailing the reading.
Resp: 6:26
